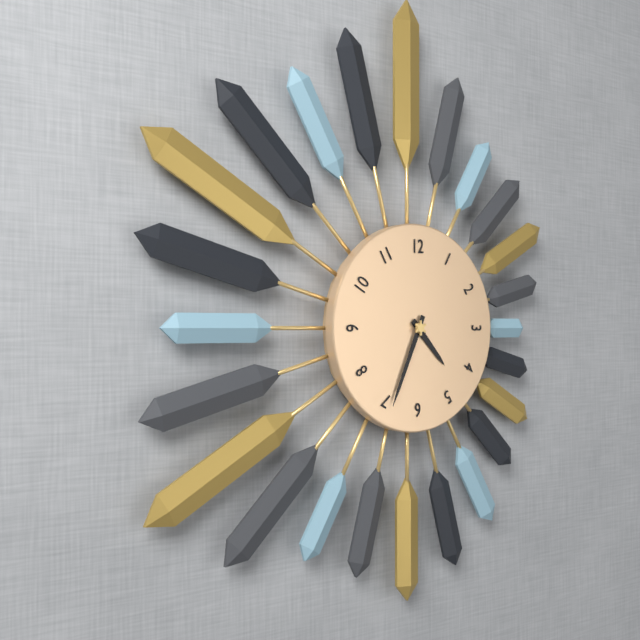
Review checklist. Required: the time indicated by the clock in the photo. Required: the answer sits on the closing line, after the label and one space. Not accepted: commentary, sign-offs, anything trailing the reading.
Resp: 4:34
